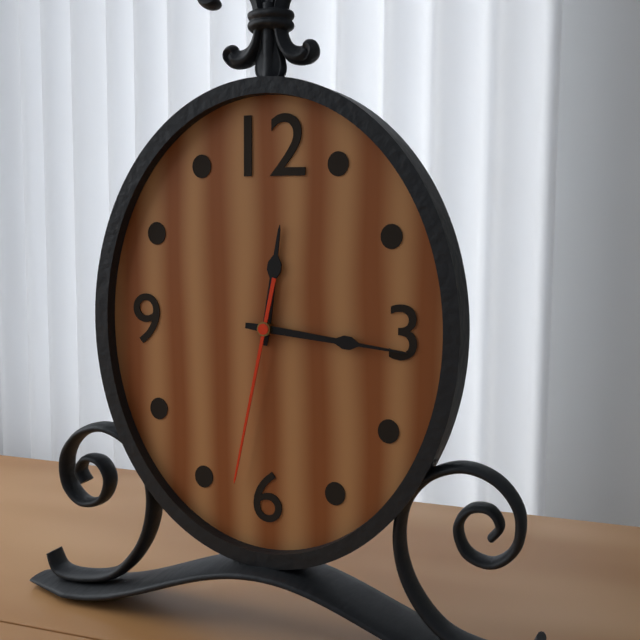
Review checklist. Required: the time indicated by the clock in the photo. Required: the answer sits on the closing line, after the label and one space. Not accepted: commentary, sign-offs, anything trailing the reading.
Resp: 12:16:32
